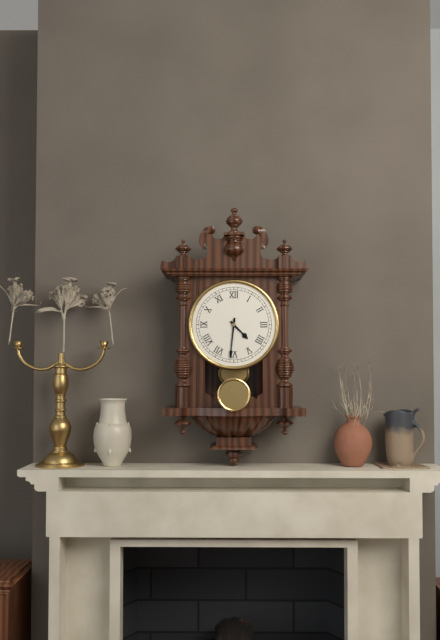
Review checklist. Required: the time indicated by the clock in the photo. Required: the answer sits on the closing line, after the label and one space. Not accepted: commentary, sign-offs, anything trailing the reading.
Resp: 4:31
